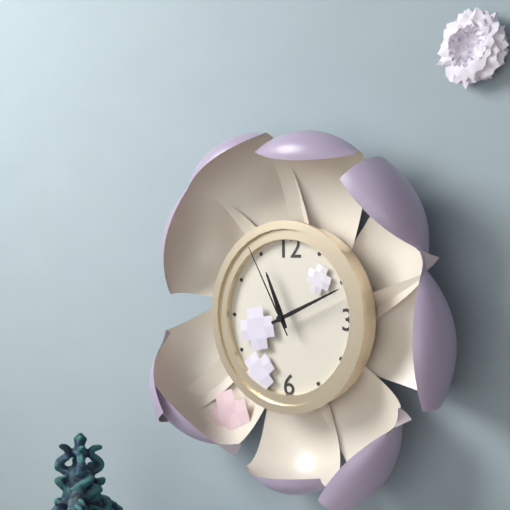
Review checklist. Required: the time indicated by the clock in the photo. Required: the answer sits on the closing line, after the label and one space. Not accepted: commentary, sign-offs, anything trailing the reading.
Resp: 11:11:55
